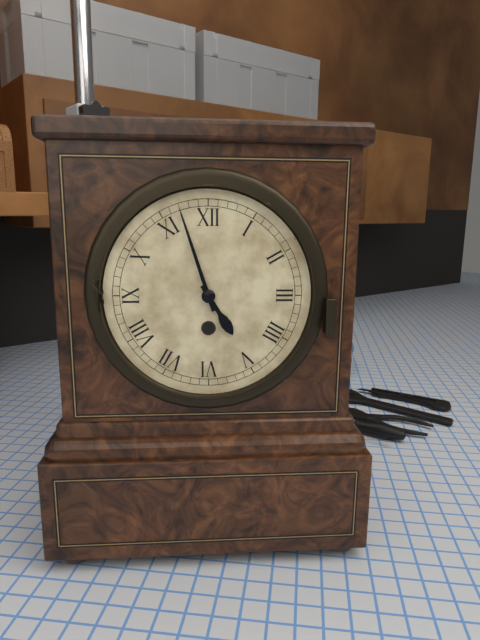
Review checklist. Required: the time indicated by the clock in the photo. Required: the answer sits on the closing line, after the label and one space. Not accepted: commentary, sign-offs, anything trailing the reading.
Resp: 4:57
